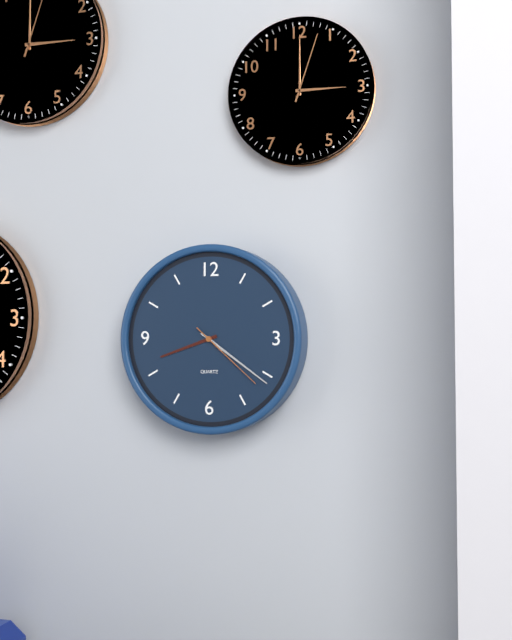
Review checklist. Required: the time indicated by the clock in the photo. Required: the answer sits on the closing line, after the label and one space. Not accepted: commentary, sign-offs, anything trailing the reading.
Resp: 8:21:22
